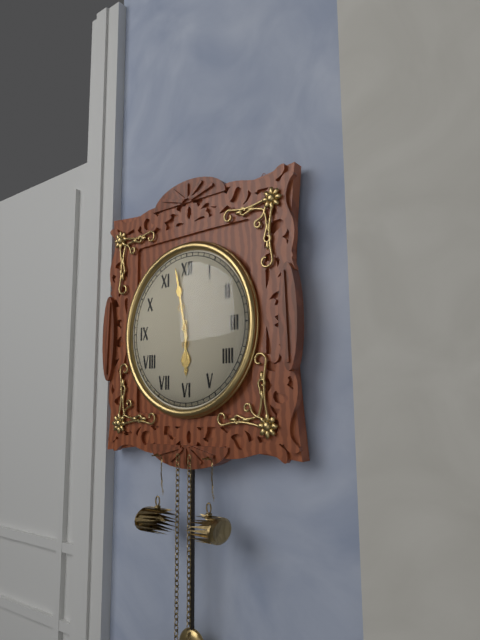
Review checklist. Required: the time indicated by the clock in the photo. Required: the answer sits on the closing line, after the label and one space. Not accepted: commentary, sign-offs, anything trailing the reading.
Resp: 5:58
